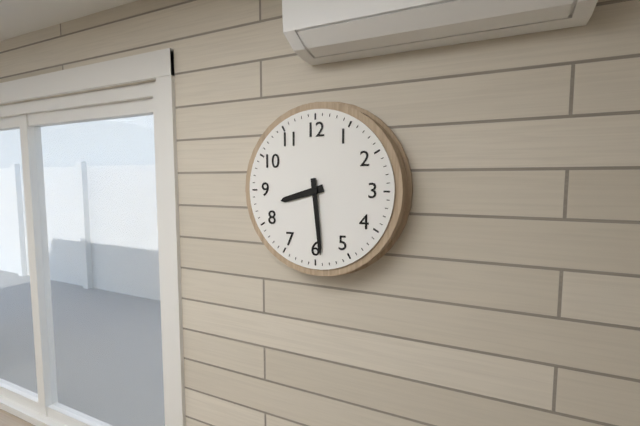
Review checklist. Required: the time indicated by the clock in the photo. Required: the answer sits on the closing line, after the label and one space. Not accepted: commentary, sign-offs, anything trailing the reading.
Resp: 8:29
